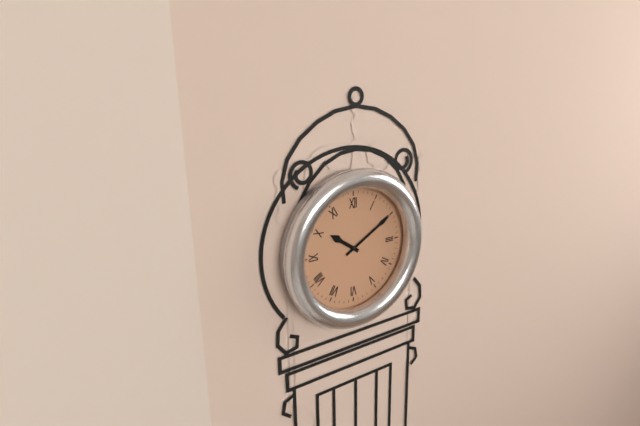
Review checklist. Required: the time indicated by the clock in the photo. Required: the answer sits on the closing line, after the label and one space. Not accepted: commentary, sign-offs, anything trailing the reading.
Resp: 10:10
